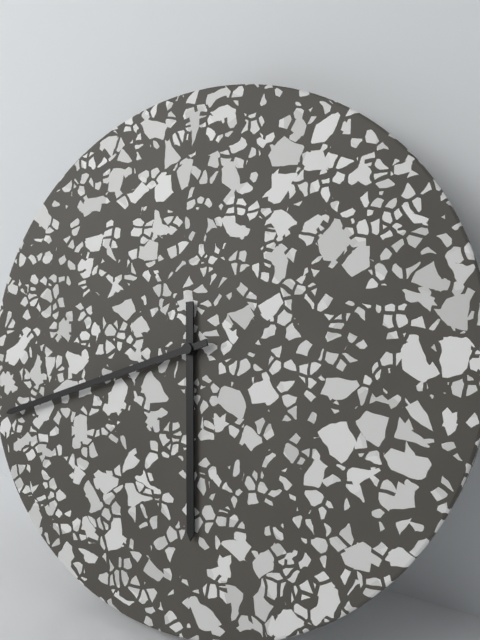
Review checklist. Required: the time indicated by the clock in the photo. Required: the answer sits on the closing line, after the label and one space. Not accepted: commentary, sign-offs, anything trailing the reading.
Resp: 5:41
